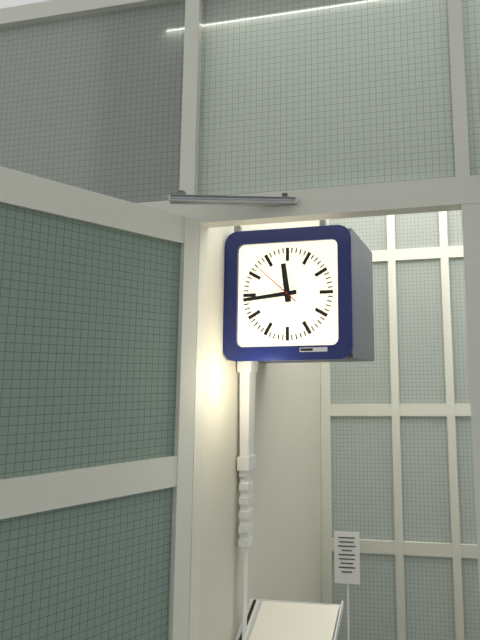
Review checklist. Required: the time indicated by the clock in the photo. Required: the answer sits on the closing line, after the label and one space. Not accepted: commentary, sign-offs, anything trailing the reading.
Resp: 11:44
